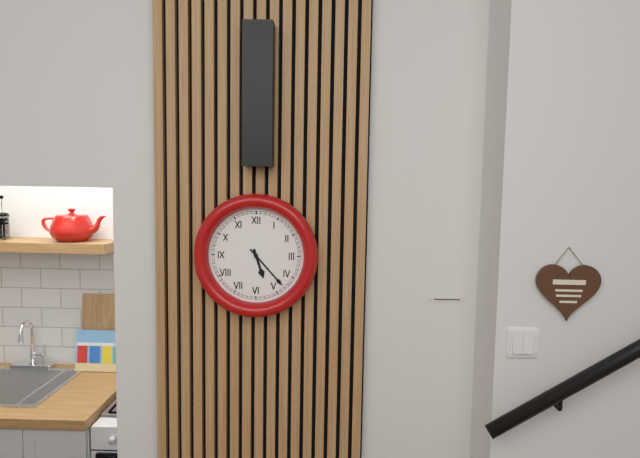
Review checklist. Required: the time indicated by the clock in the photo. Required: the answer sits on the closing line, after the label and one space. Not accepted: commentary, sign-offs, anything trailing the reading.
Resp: 5:23
